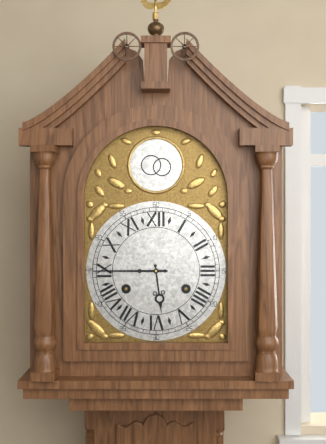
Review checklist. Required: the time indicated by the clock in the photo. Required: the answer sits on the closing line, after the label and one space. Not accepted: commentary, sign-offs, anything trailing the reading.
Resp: 5:45
